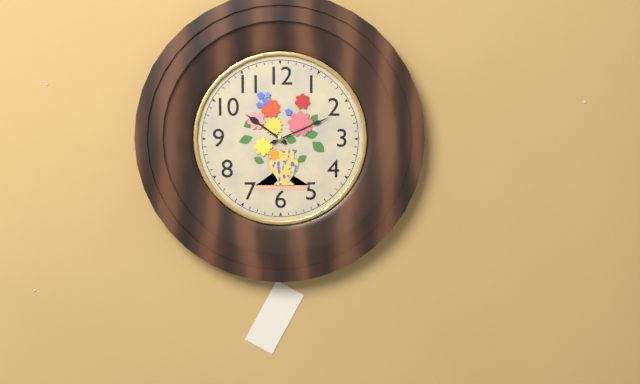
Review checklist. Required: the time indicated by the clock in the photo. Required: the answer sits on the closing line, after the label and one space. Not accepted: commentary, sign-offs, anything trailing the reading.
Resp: 10:11
